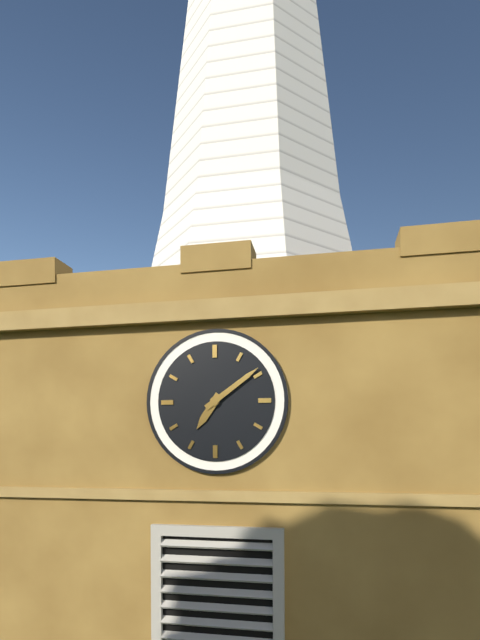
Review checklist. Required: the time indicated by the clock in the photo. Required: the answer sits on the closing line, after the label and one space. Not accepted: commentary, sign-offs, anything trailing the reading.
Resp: 7:09
